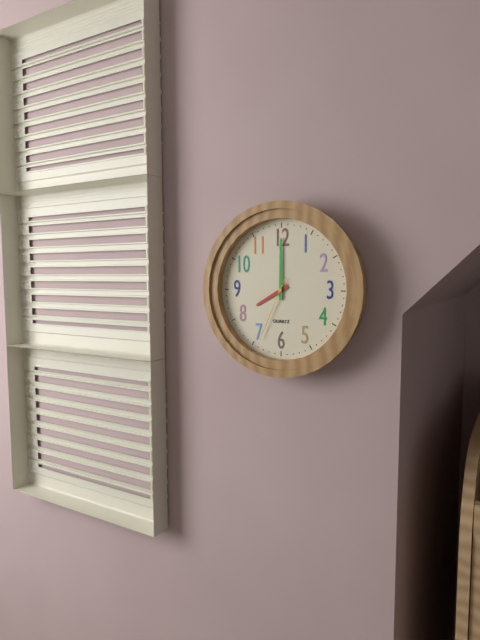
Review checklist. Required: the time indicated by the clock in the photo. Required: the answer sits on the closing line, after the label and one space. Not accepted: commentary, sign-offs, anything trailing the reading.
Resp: 8:00:34
